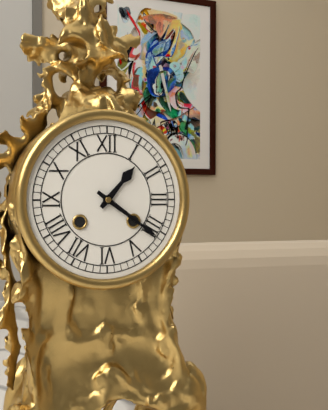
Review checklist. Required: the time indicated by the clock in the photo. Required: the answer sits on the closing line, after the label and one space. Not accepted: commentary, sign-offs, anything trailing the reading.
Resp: 1:21
